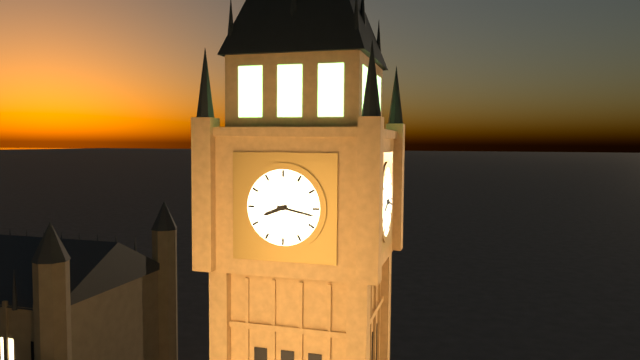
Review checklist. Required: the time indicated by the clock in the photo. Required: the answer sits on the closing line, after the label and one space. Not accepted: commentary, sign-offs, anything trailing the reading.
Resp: 8:17
